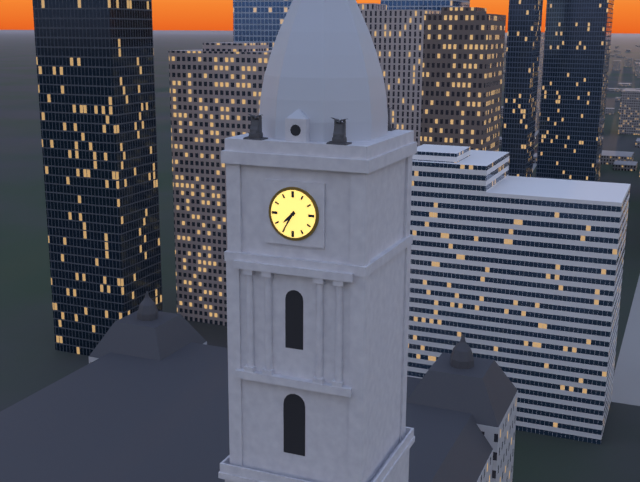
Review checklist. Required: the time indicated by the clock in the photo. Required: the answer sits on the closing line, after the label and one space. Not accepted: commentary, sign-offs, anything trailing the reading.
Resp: 7:35
